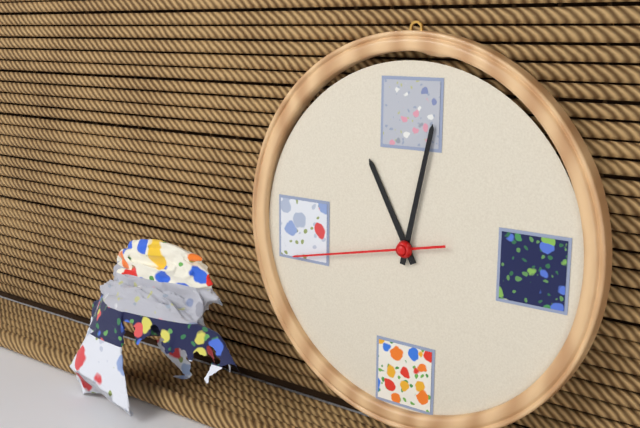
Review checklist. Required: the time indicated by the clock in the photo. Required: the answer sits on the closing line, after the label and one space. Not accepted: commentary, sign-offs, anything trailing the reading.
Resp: 11:02:43
